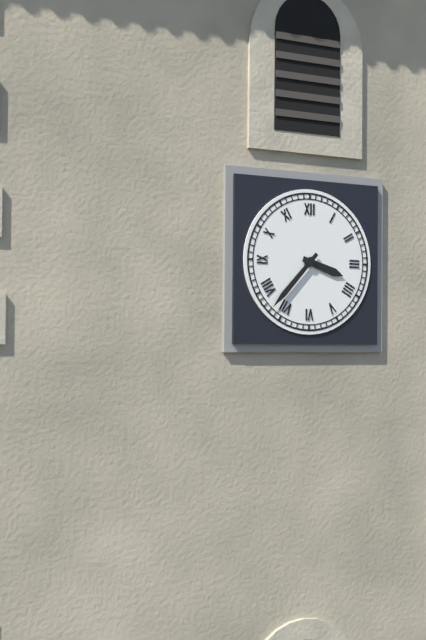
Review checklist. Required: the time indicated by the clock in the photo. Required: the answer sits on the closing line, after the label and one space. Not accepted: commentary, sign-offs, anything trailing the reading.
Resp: 3:37
